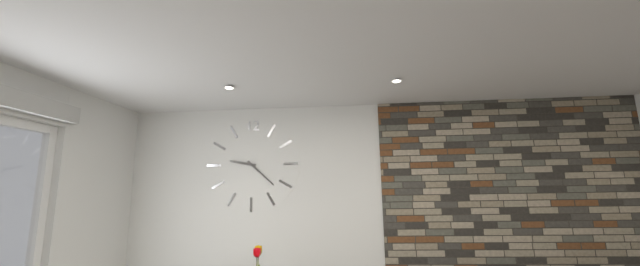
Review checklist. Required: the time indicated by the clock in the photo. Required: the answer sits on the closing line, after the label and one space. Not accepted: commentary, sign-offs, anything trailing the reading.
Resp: 9:22
